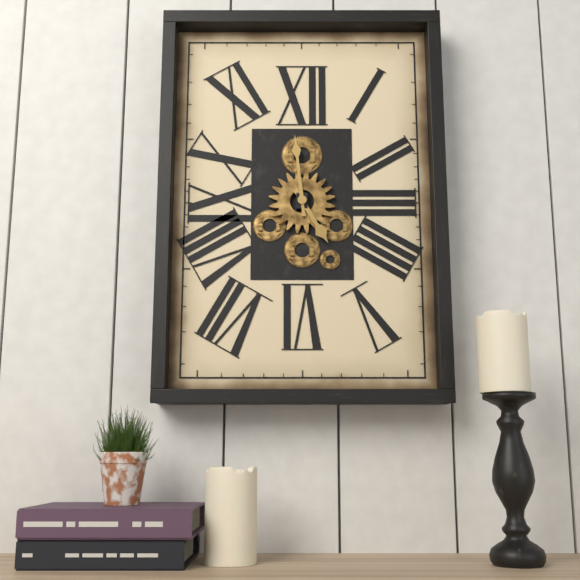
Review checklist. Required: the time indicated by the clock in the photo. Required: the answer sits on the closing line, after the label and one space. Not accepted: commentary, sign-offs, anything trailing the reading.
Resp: 4:59
